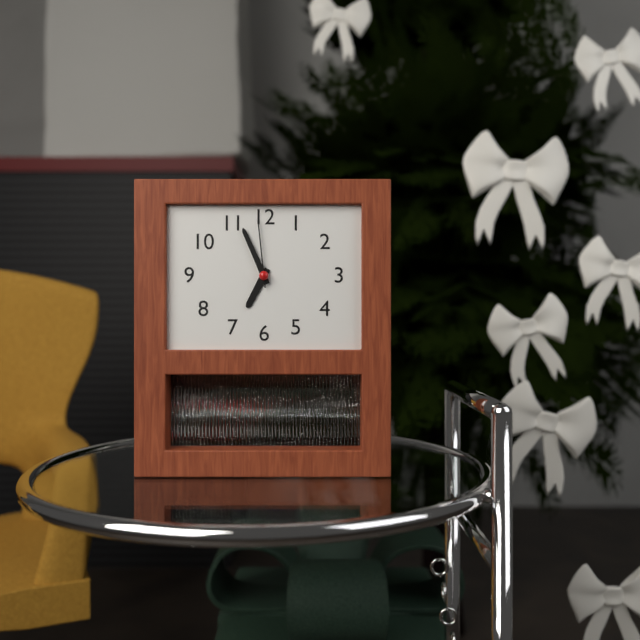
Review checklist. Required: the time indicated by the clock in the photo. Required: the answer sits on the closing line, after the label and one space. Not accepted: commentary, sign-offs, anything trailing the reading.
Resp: 6:56:59
